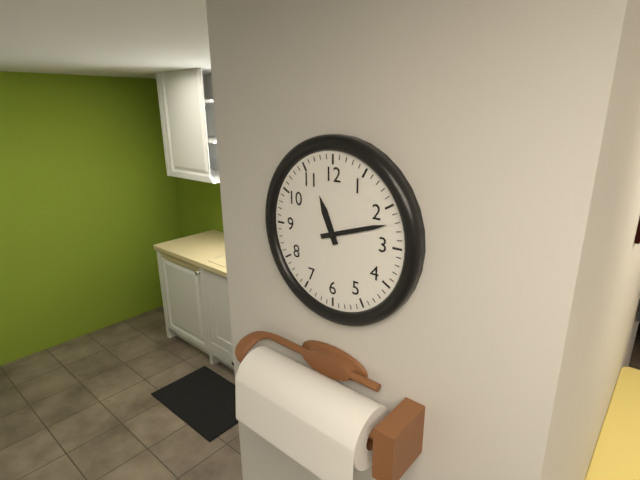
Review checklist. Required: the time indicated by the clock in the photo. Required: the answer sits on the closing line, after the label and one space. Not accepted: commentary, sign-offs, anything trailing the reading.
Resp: 11:12
